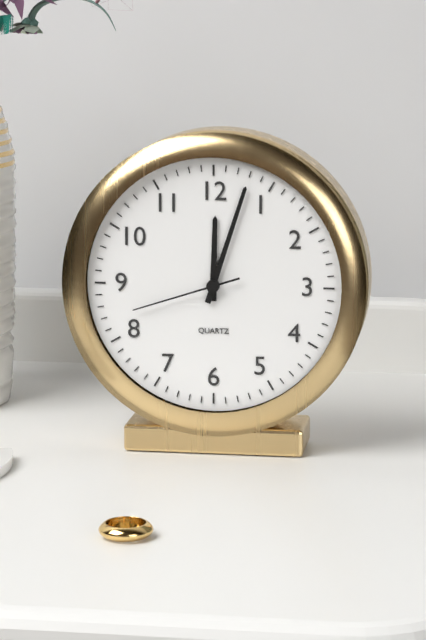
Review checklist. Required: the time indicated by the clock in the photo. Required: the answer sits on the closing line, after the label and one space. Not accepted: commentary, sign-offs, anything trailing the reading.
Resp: 12:03:42
